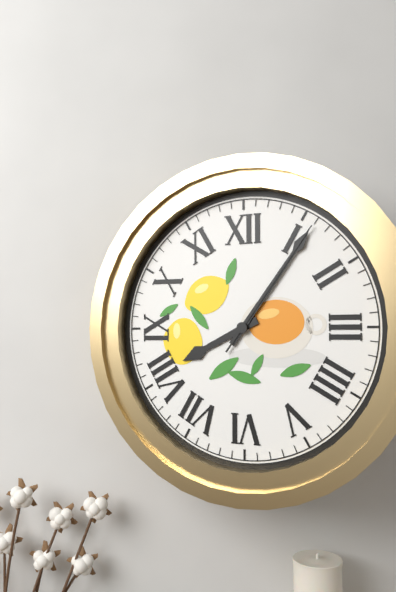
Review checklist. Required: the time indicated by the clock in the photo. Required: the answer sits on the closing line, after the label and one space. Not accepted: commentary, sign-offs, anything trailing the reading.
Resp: 8:06:06
